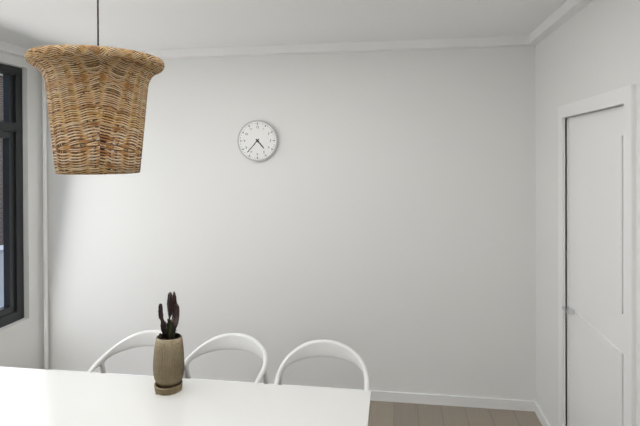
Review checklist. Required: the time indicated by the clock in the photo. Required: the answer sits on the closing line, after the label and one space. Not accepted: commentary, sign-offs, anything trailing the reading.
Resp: 4:37
